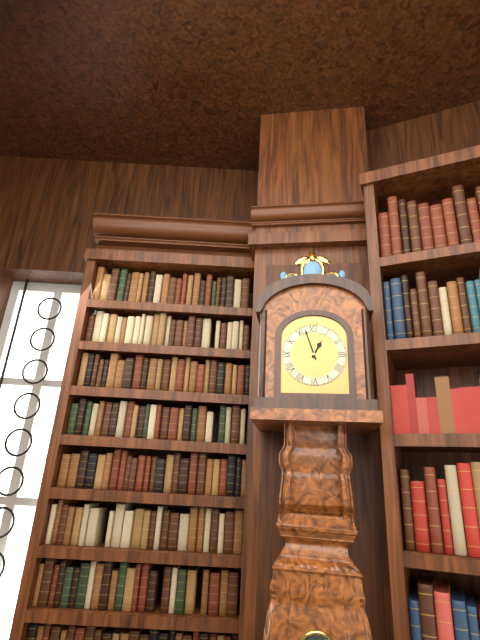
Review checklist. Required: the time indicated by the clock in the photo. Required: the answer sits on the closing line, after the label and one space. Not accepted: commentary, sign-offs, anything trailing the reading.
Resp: 12:57
